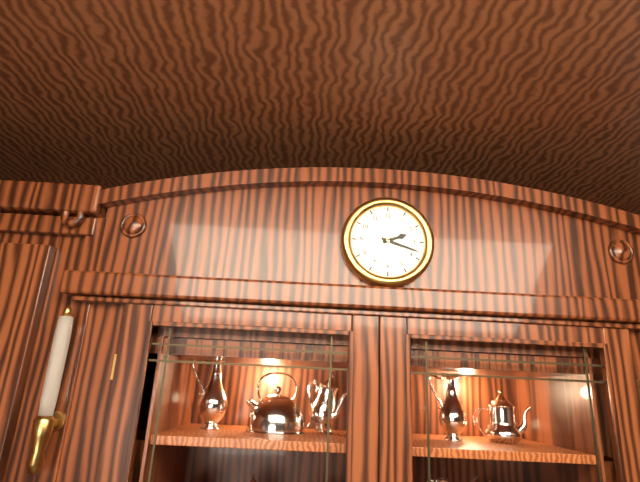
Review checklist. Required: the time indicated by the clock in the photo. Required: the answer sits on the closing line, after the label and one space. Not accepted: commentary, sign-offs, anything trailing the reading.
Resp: 2:18
